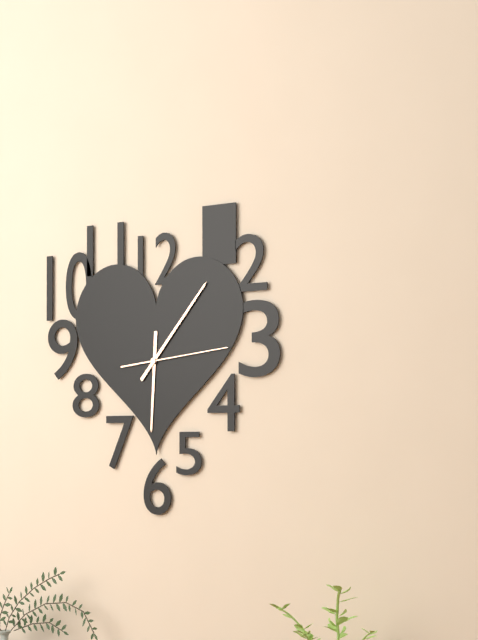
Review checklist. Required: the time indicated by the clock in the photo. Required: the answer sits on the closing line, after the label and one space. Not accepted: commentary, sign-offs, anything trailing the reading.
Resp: 6:07:14
